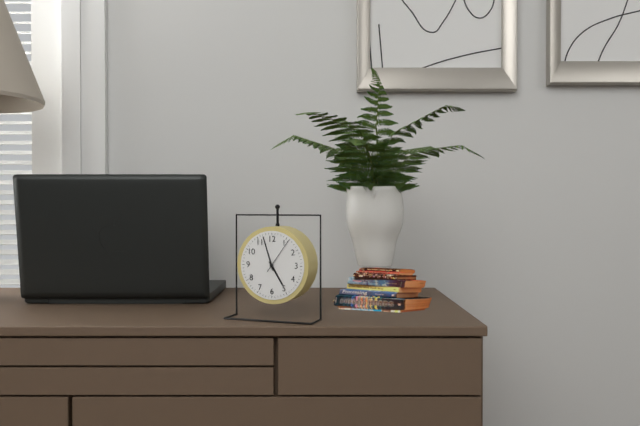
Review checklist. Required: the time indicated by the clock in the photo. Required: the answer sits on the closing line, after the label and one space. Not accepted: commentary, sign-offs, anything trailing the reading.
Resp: 4:57
